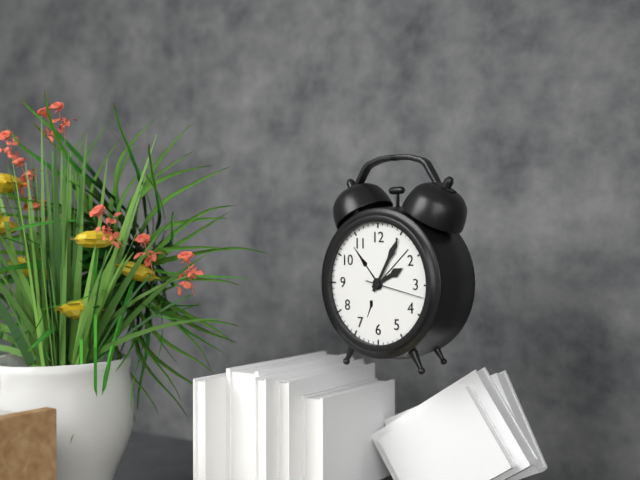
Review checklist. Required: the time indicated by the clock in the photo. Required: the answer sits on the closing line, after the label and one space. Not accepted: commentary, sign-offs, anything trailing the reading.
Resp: 2:05:17
